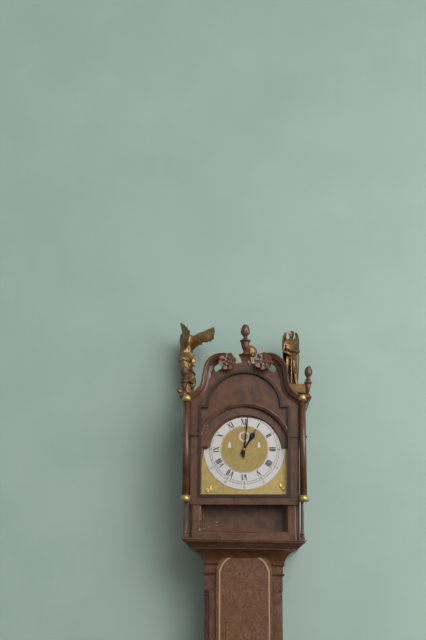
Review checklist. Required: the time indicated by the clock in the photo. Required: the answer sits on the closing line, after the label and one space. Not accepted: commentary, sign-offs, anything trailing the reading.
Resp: 1:01
